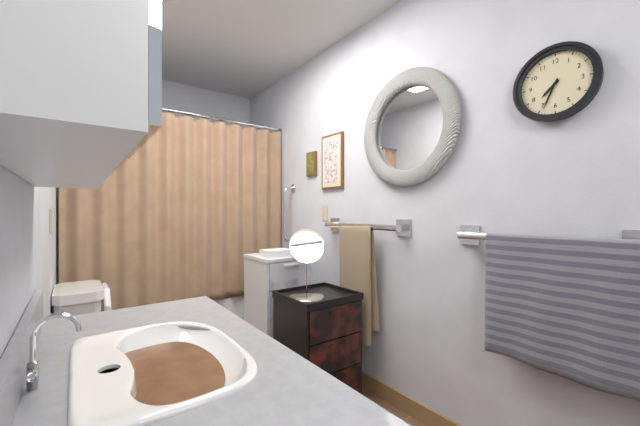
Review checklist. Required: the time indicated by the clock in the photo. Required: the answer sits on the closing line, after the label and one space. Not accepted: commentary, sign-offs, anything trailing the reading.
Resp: 7:34
